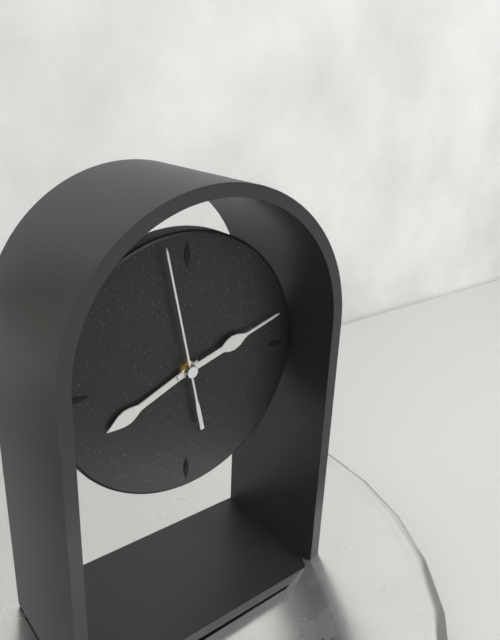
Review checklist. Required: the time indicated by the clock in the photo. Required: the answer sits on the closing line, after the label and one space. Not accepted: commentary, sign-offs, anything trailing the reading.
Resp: 8:12:58
